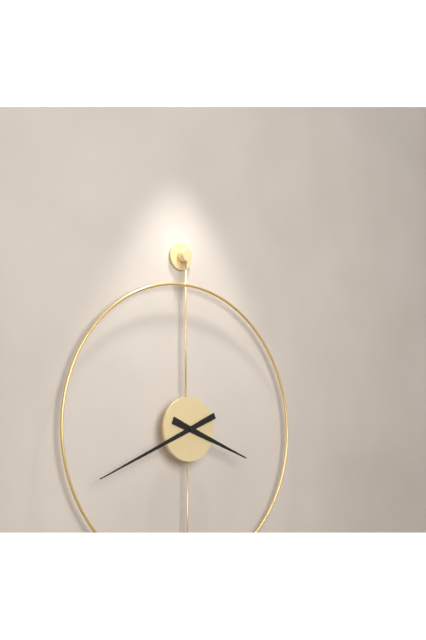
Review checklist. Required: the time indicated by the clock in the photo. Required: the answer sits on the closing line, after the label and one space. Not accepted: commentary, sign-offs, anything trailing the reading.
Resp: 3:41
